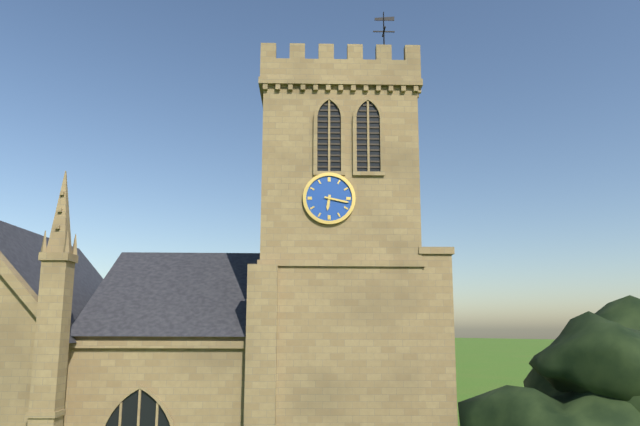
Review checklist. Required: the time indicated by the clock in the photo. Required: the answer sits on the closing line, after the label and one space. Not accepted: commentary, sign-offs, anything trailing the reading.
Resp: 6:17
